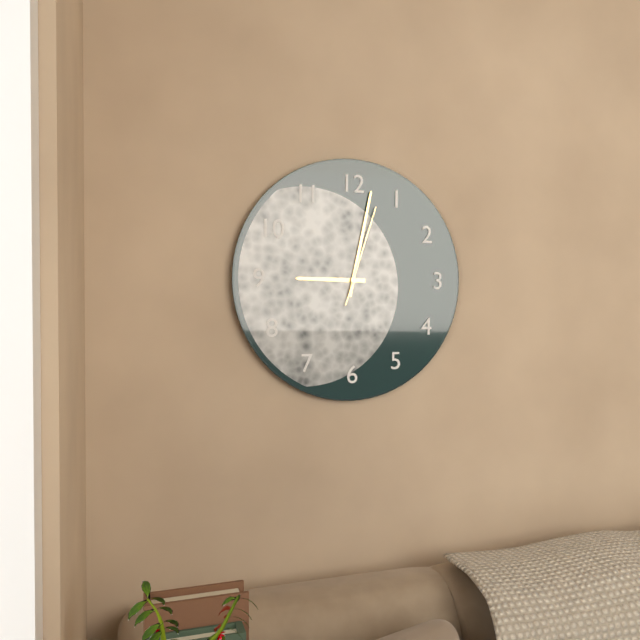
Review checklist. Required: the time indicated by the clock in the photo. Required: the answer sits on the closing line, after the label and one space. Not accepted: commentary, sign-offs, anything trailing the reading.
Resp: 9:02:03
